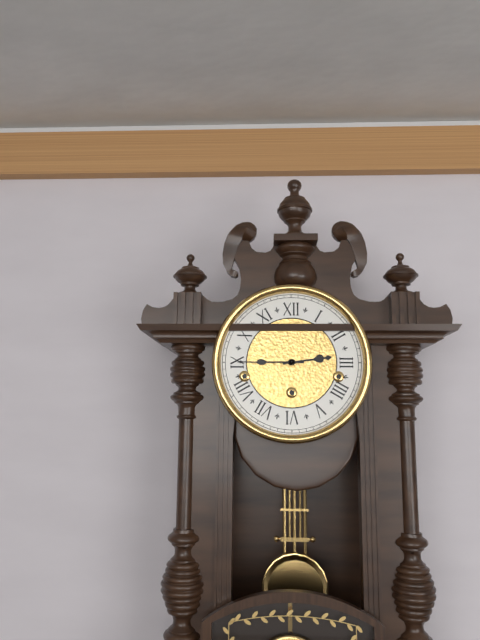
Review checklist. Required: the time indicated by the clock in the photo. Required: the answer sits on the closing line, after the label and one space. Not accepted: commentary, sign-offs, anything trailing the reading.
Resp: 2:45
